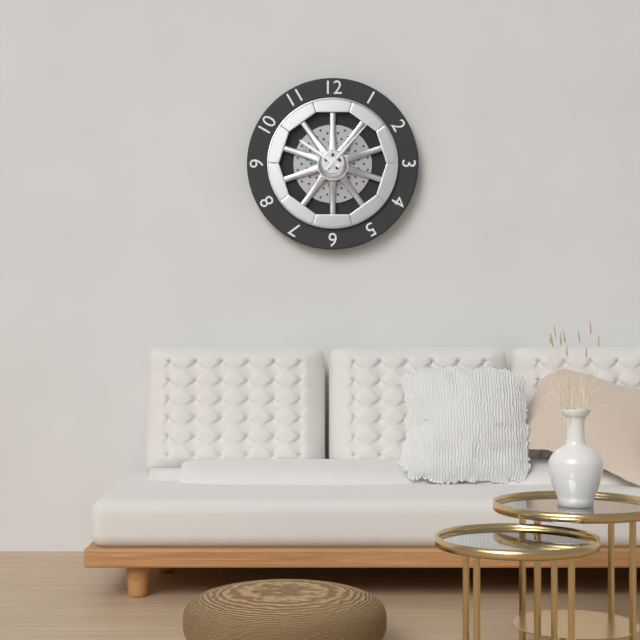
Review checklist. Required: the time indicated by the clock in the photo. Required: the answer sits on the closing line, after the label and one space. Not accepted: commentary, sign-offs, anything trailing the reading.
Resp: 10:07
